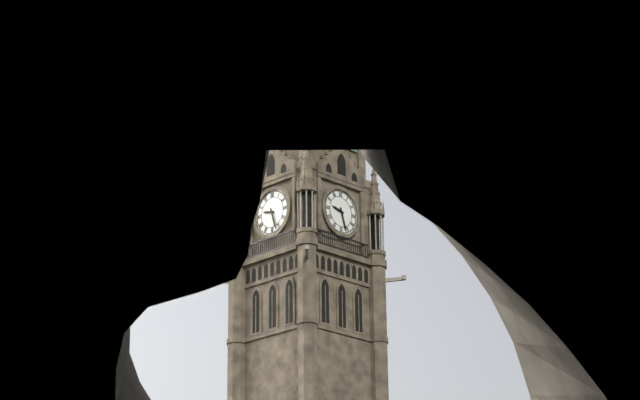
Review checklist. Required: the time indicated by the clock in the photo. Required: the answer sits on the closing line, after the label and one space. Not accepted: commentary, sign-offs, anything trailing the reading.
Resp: 9:27
